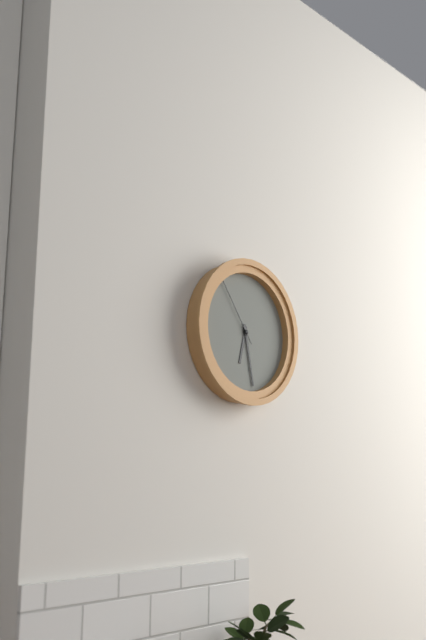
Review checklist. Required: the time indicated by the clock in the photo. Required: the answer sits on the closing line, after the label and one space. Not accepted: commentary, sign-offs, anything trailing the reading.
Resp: 6:28:54
